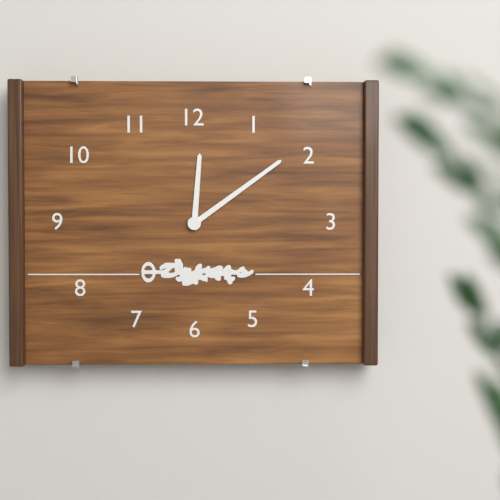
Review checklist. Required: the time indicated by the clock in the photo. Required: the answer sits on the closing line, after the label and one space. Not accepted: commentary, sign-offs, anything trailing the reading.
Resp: 12:09
